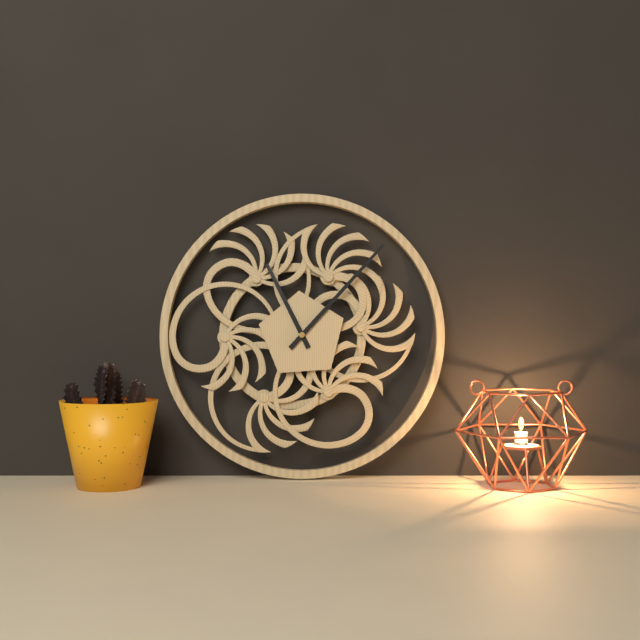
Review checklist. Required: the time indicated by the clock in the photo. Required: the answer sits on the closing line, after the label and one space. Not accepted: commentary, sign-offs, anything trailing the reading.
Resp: 11:07
